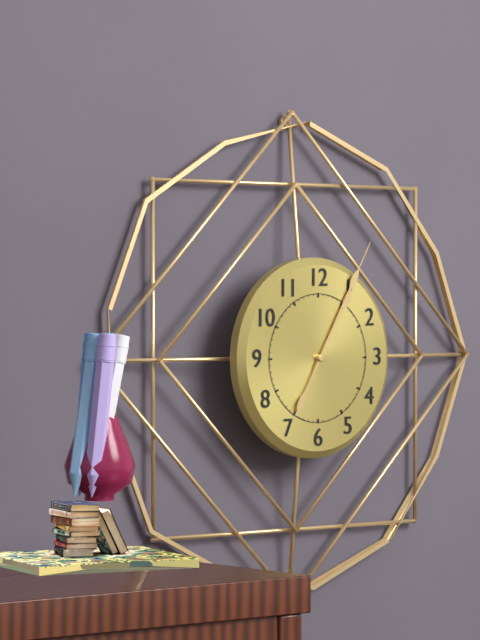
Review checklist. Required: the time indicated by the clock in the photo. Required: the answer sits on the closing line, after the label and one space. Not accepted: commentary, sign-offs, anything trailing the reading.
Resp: 1:05
